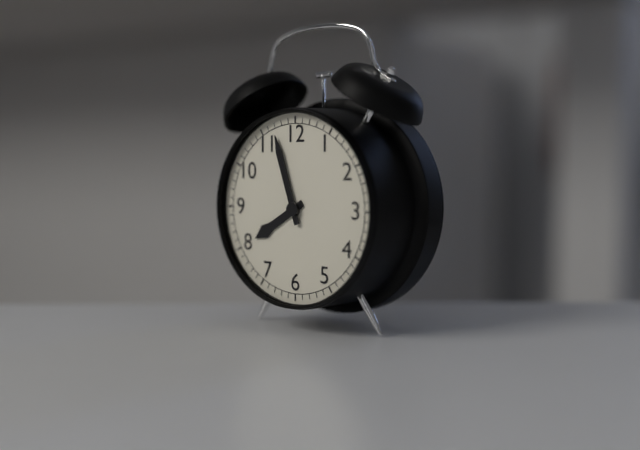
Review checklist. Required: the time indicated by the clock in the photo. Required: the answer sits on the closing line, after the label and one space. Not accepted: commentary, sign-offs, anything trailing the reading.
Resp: 7:57
